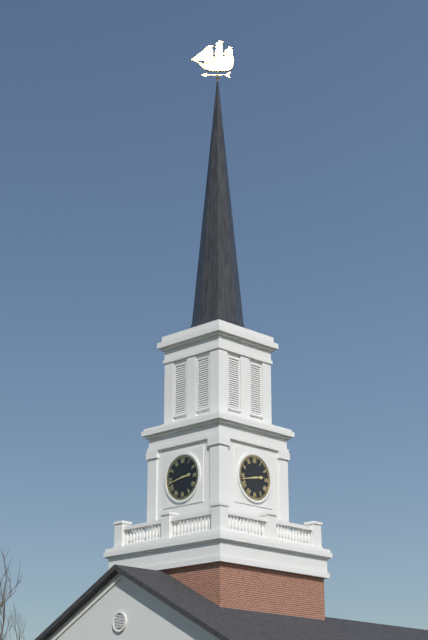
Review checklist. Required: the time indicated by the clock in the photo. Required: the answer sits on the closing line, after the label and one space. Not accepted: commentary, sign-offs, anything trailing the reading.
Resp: 2:43
